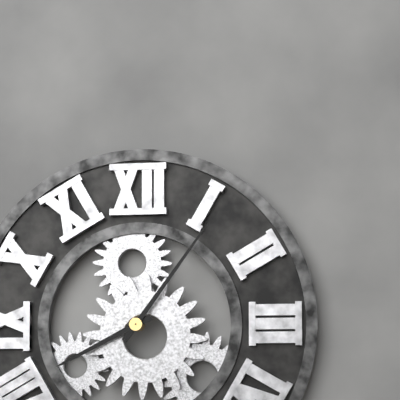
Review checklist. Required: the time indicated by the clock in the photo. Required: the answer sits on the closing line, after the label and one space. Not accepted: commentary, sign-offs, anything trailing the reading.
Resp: 8:06
